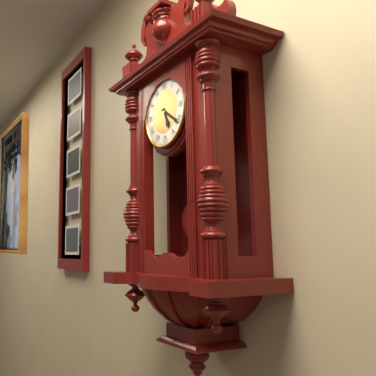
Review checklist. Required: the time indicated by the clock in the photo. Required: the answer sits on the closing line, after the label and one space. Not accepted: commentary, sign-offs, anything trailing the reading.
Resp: 5:21
